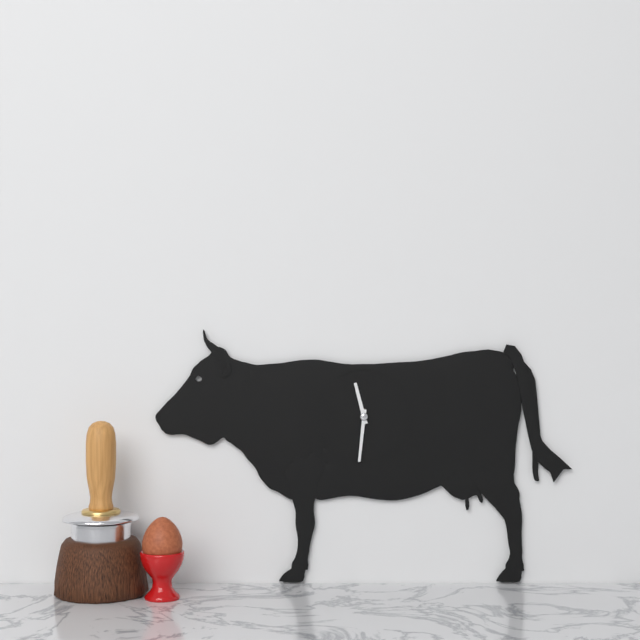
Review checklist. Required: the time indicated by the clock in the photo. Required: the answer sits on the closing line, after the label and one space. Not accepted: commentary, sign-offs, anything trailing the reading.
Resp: 11:31
